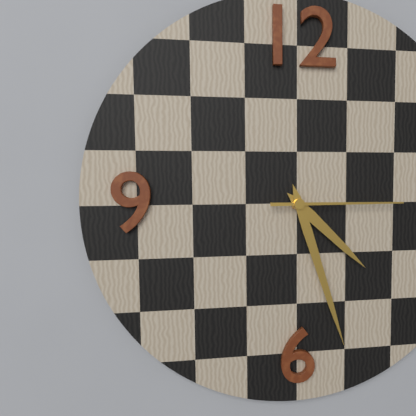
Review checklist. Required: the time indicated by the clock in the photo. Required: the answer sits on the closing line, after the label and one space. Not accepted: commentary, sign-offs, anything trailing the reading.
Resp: 4:27:15
